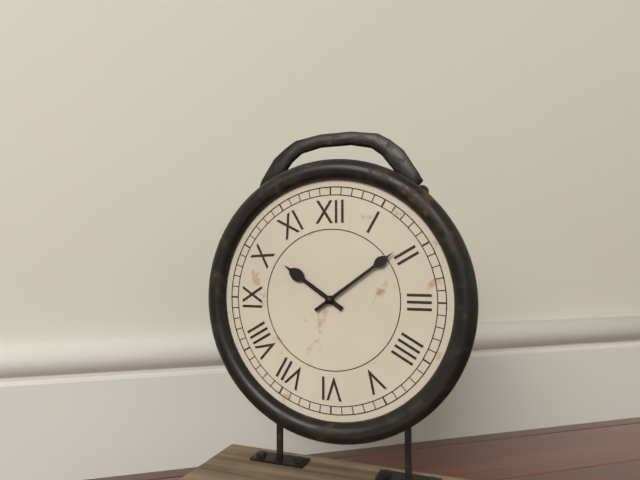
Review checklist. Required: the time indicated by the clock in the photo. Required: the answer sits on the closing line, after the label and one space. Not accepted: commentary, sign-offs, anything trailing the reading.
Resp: 10:09
